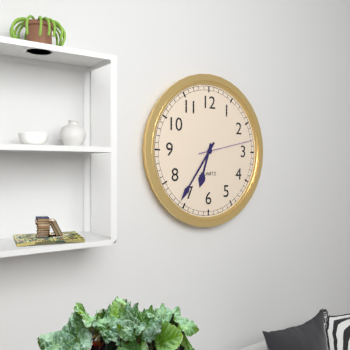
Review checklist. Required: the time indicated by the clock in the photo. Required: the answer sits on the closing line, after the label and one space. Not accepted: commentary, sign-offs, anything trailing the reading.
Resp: 6:36:13
